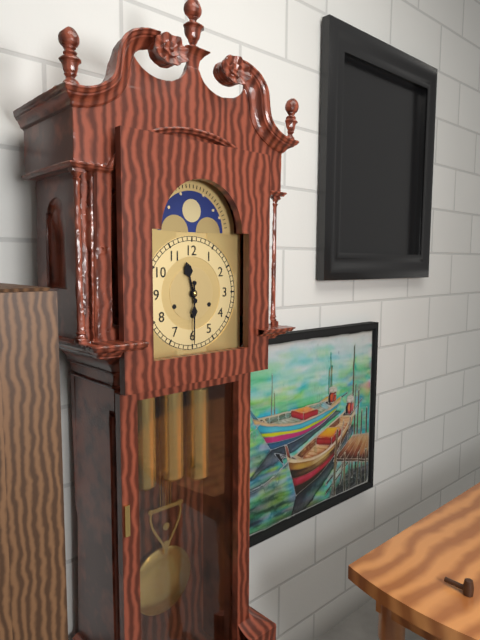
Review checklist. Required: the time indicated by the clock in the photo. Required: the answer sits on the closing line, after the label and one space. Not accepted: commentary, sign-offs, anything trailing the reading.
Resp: 11:30
